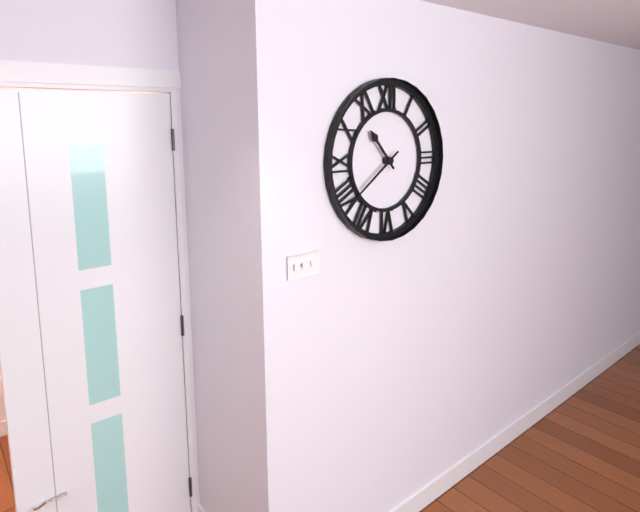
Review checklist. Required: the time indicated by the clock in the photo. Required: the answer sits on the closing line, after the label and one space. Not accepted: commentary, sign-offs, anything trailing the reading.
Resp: 10:39
